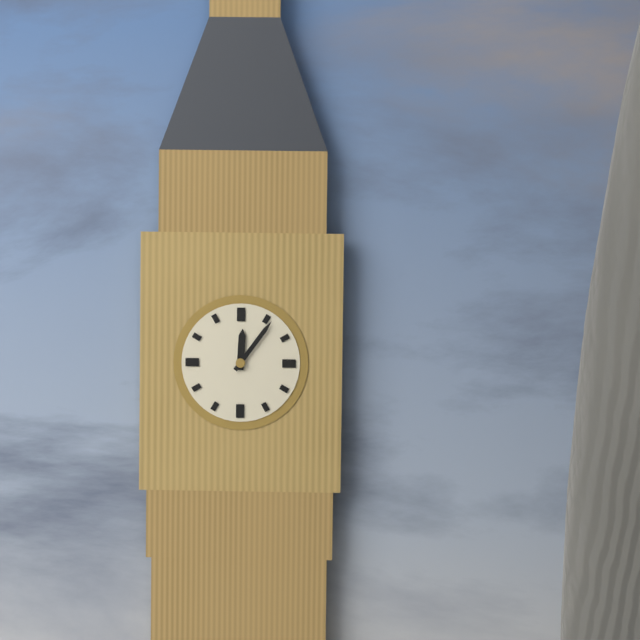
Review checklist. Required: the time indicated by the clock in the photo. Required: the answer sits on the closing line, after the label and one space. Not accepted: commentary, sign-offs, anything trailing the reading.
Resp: 12:06
